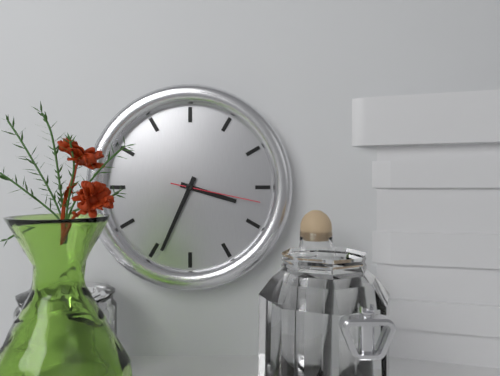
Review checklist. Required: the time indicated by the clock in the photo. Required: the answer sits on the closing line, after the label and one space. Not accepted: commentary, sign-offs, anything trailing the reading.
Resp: 3:34:17
